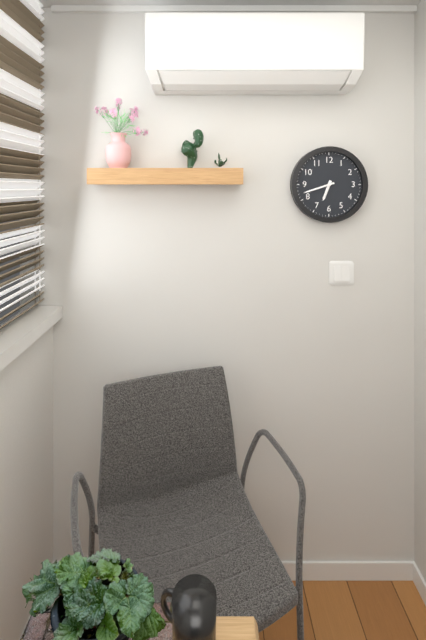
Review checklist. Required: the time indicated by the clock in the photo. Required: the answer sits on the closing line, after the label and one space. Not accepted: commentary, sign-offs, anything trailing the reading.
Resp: 6:42
